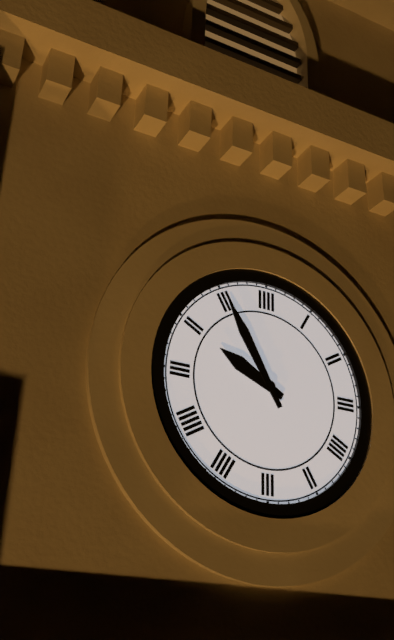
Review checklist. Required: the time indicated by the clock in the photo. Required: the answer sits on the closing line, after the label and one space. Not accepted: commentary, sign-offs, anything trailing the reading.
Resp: 9:55
